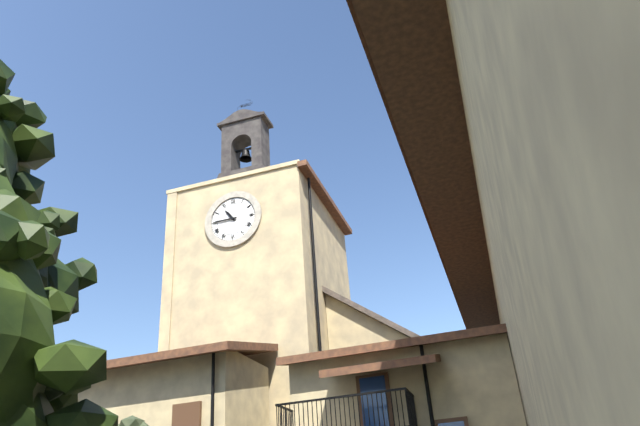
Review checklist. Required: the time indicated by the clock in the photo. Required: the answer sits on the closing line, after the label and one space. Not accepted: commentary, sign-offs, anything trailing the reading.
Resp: 10:45
